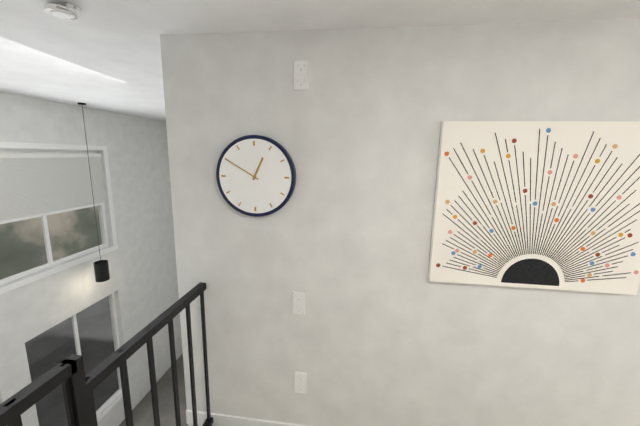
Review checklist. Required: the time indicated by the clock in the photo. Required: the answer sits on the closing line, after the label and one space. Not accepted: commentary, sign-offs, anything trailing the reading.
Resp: 12:50
